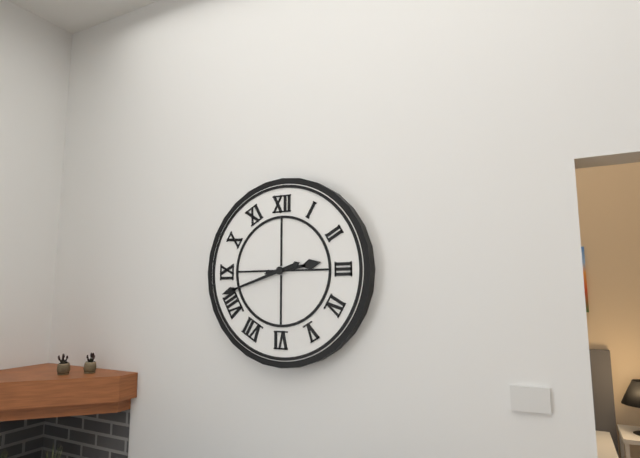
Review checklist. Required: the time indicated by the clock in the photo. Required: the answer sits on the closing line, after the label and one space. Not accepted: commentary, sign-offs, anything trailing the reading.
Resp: 2:42
